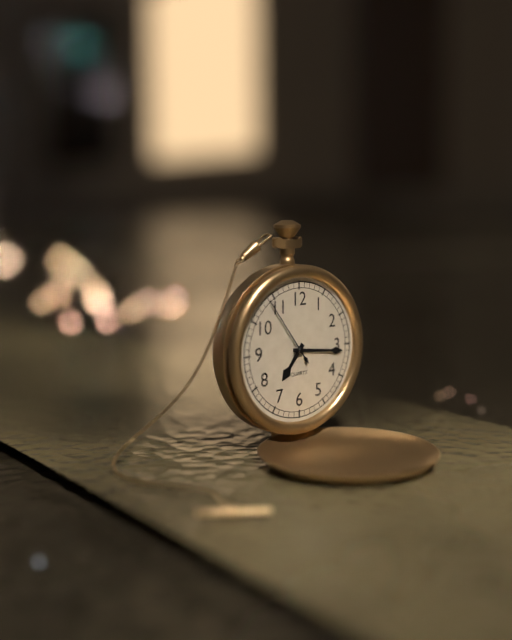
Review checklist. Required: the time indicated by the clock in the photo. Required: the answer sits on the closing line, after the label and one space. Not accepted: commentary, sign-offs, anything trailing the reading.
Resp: 7:16:54
